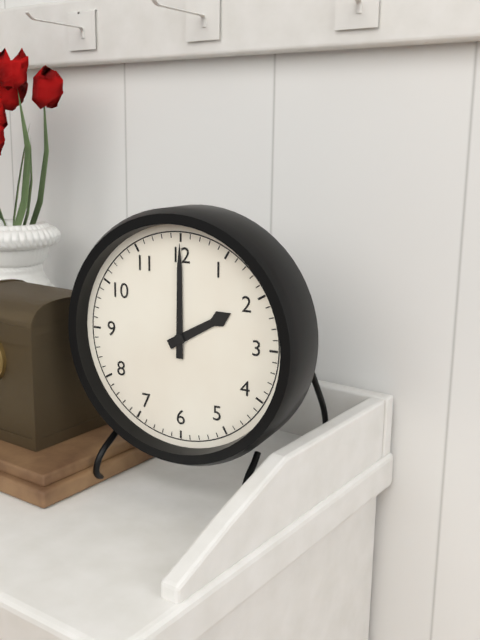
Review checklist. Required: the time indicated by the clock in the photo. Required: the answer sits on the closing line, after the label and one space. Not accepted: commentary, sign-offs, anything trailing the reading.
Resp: 2:00
